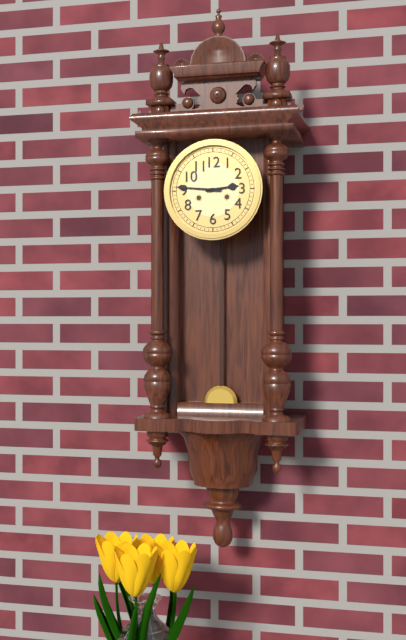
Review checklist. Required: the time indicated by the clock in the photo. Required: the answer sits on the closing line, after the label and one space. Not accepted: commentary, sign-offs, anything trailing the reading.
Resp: 2:46
